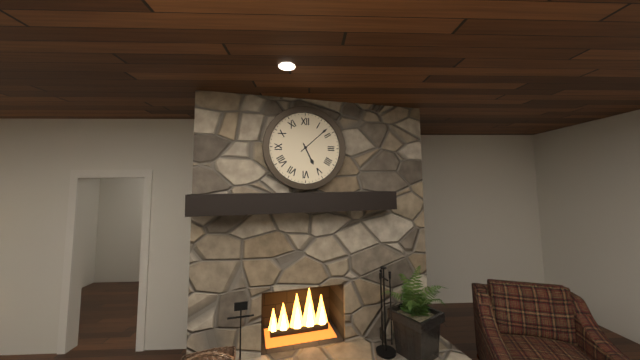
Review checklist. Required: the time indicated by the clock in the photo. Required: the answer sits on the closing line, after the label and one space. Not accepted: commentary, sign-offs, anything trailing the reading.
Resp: 5:08
